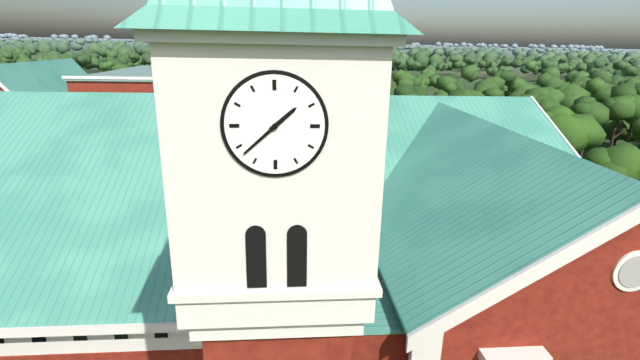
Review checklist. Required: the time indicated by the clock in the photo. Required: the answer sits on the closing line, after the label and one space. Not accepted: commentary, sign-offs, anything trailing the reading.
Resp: 1:38
